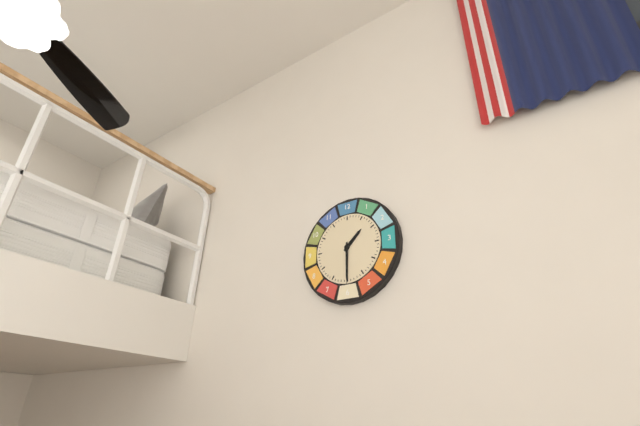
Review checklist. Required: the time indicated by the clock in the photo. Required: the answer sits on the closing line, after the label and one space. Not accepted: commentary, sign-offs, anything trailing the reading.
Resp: 1:30
